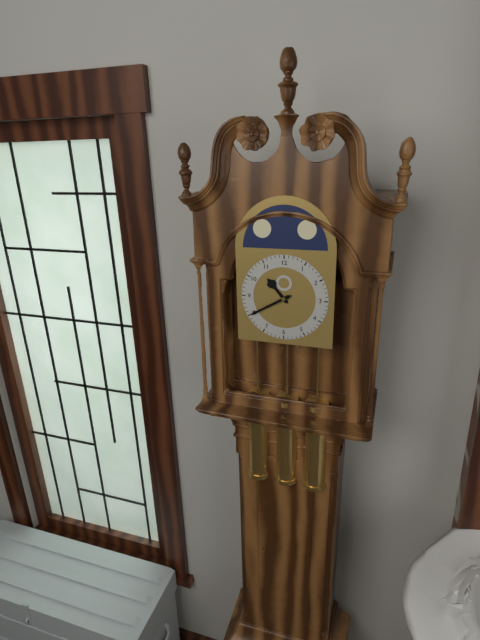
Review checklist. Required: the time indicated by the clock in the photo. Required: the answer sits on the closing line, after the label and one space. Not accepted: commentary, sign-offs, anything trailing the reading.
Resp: 10:40
